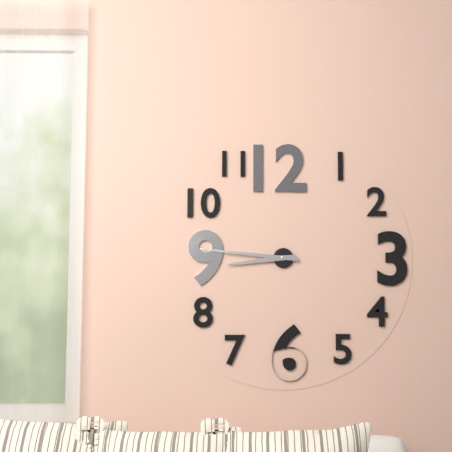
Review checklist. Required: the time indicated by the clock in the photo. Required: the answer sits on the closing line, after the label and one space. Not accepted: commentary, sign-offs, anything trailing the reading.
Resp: 8:46
